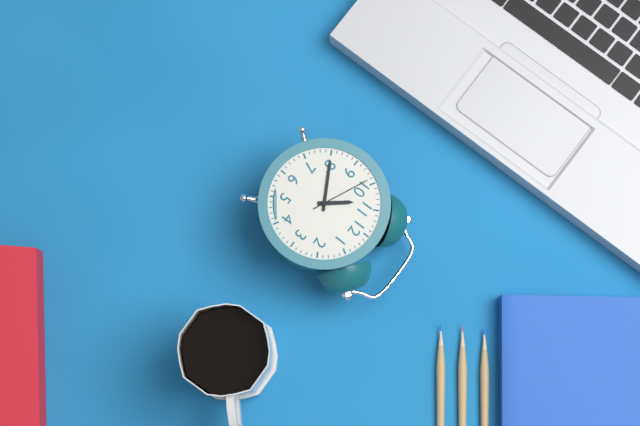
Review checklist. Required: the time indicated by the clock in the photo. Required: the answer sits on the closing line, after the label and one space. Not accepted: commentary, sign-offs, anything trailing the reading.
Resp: 10:40:49
